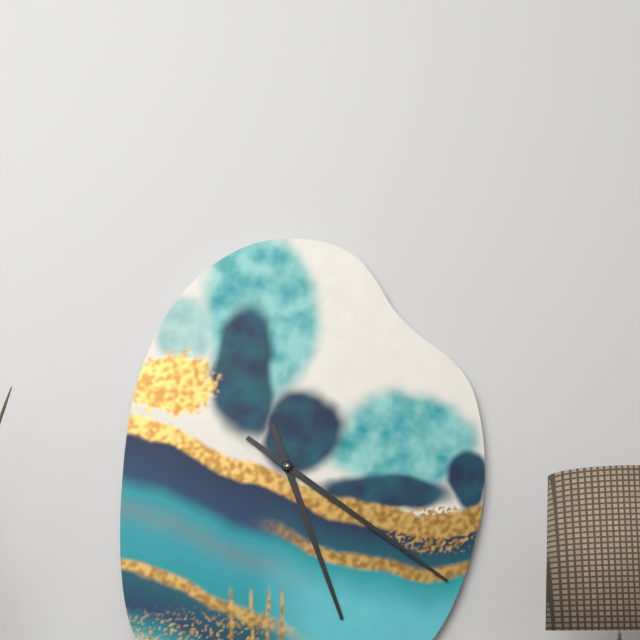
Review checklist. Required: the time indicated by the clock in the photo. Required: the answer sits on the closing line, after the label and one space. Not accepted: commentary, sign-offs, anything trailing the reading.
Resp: 5:21
